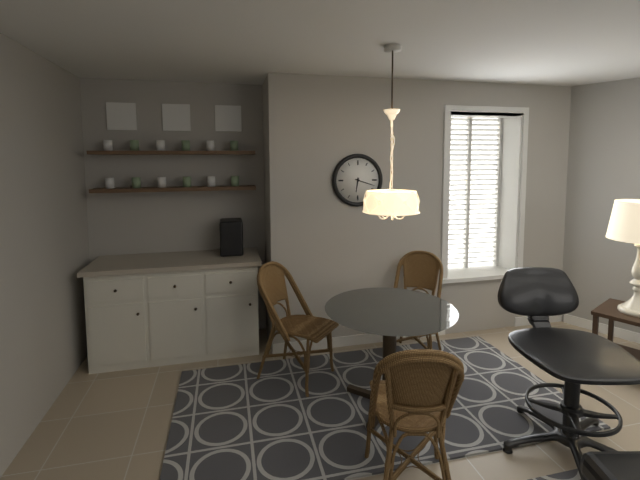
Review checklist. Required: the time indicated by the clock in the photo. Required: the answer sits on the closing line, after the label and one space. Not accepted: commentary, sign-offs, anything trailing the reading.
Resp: 6:18
